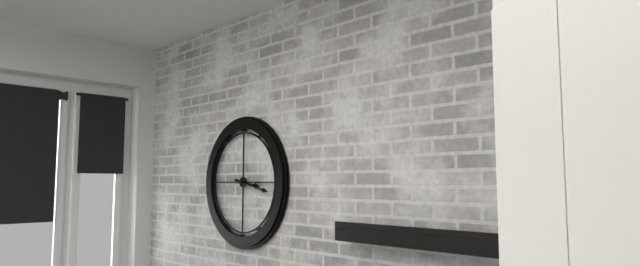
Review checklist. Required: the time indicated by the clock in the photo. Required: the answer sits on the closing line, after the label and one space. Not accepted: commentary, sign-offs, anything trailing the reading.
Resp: 3:17
